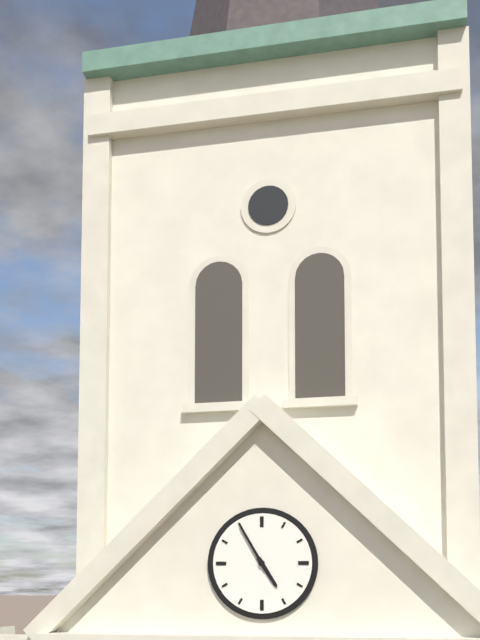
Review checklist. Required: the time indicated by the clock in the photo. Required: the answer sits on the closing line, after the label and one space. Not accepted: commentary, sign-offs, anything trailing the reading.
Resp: 4:55
